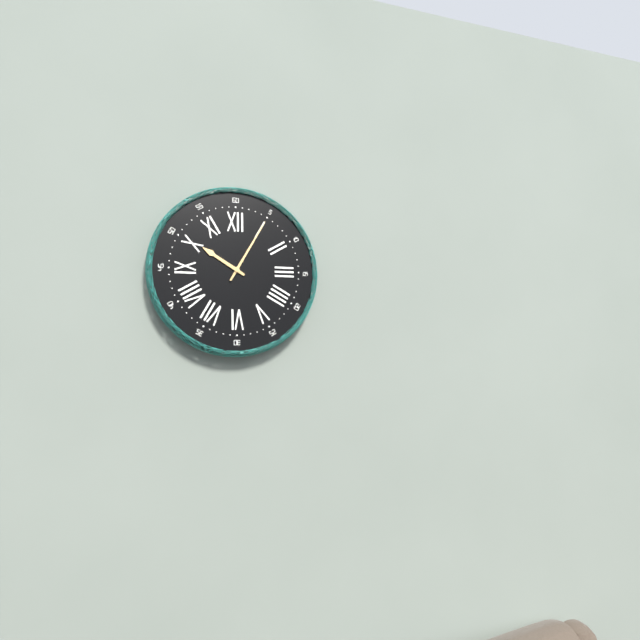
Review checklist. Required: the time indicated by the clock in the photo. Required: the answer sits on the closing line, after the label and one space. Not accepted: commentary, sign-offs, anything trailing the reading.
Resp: 10:05
